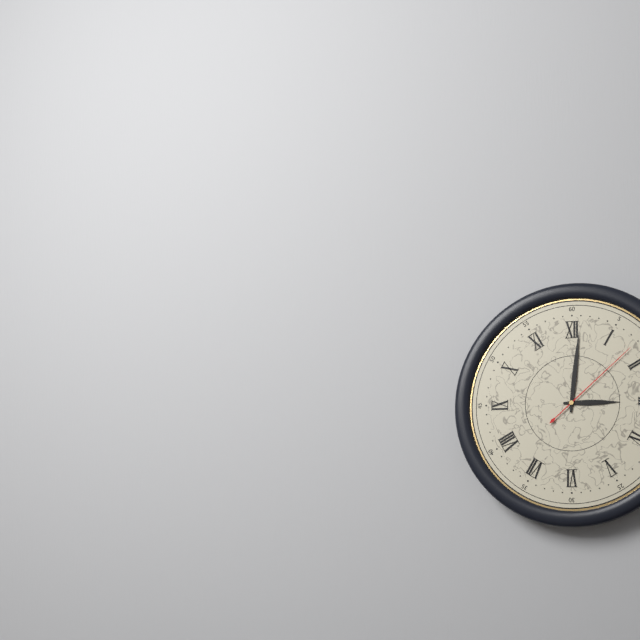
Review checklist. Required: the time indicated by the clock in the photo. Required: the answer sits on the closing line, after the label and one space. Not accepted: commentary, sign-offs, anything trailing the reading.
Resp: 3:01:08
